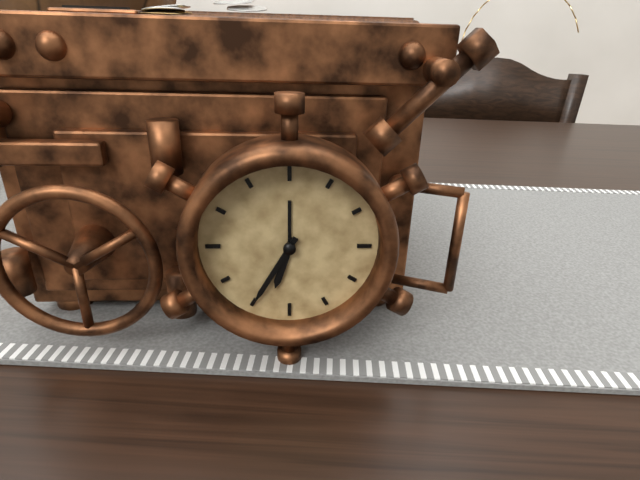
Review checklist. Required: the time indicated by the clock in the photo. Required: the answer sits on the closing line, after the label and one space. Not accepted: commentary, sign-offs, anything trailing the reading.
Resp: 6:35
